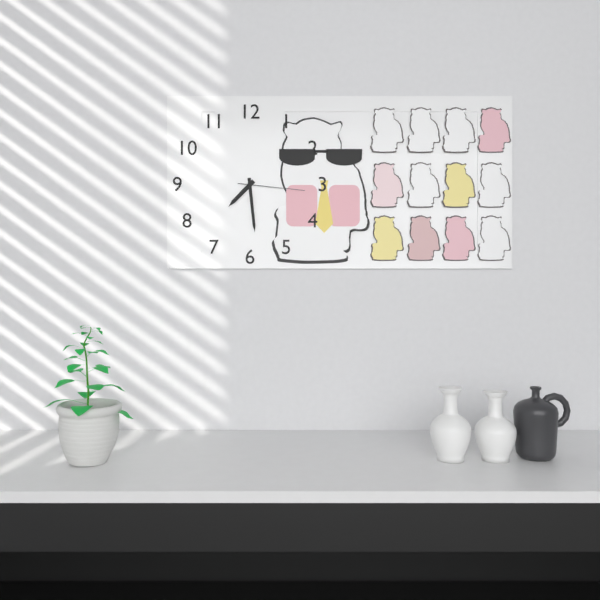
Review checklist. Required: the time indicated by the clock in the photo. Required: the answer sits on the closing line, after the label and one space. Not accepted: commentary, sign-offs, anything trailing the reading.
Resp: 7:29:16
